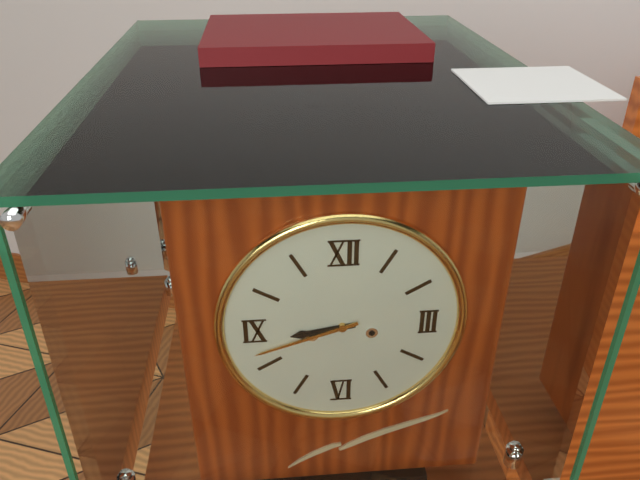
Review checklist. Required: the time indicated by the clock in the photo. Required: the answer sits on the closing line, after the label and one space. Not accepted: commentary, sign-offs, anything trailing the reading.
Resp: 8:42
